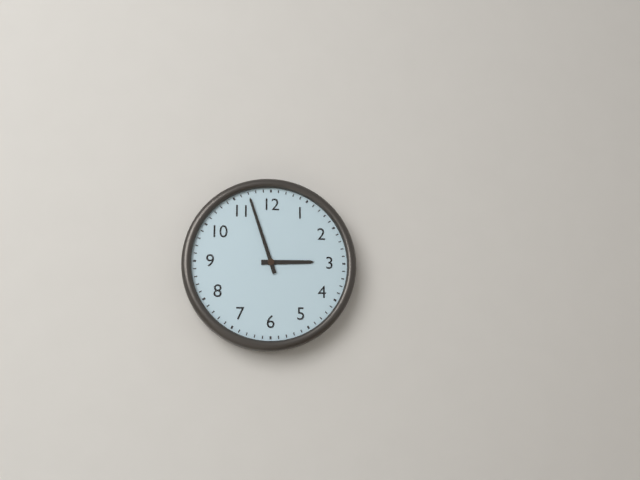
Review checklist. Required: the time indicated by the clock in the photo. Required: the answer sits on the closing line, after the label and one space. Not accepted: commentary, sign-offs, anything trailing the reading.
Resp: 2:57
